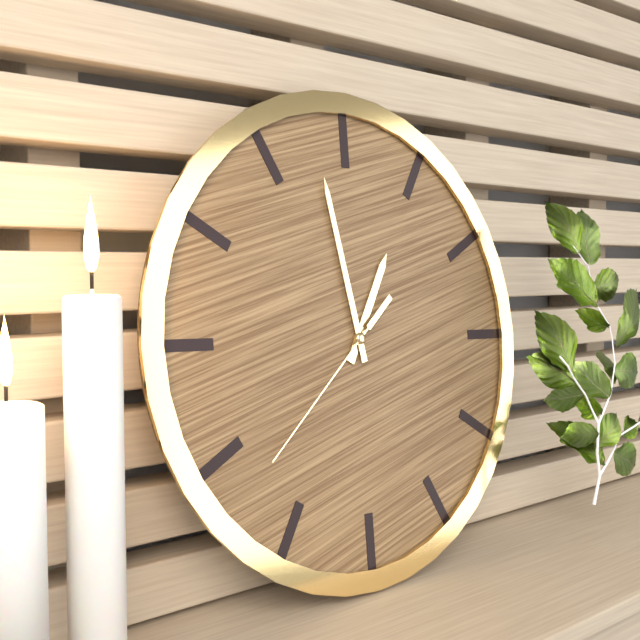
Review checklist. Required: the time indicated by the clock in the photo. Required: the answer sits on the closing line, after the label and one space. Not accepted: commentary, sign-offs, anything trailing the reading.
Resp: 12:58:38
